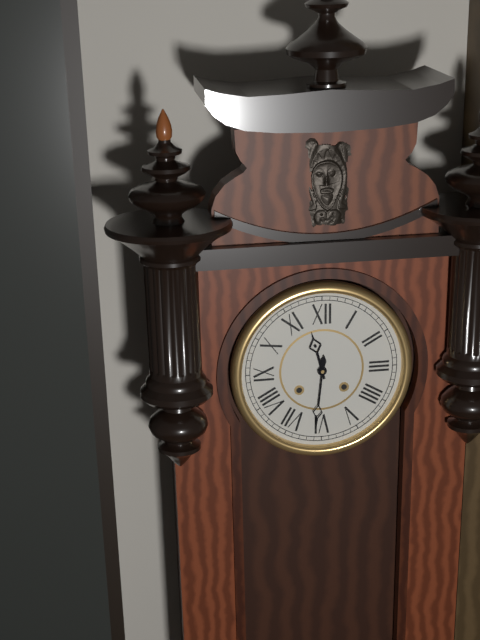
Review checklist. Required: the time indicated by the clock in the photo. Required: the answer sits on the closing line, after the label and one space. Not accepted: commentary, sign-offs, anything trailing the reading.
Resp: 11:31
